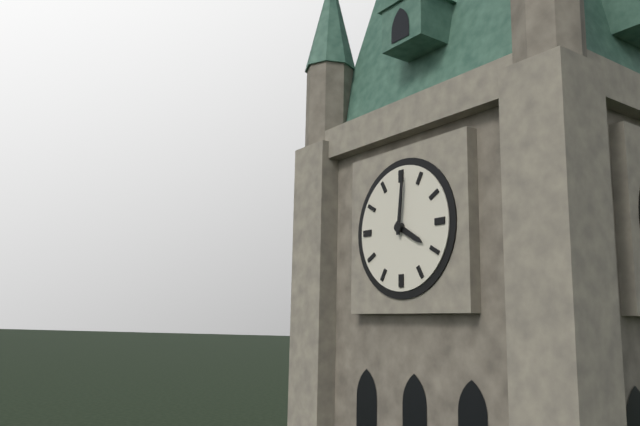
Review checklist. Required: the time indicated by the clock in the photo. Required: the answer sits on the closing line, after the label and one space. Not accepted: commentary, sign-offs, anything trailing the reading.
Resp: 4:01
